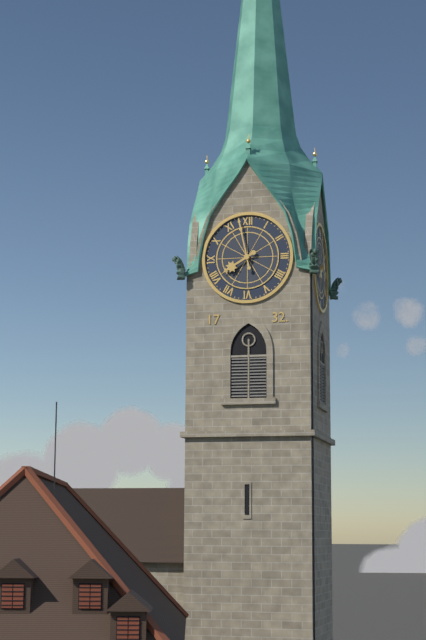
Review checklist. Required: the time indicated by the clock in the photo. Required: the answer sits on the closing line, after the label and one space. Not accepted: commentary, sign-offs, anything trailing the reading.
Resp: 7:58
